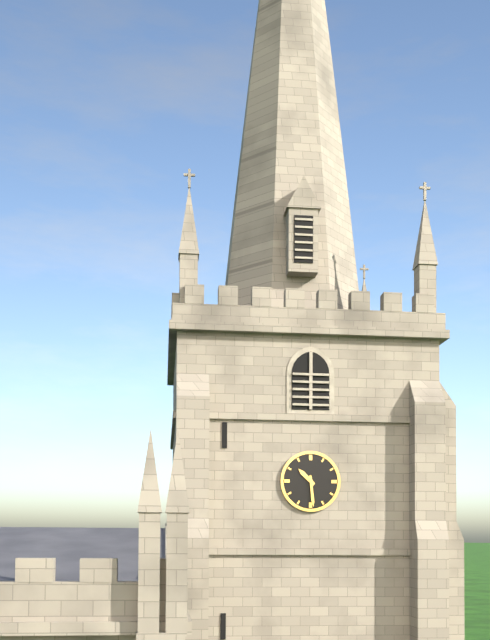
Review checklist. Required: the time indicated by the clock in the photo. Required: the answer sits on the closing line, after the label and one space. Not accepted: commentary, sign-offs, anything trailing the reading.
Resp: 10:29
